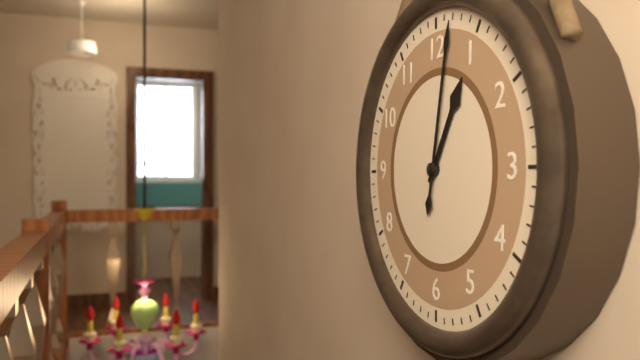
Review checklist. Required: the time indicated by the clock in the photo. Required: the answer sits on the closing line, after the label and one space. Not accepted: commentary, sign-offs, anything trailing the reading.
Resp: 1:02
